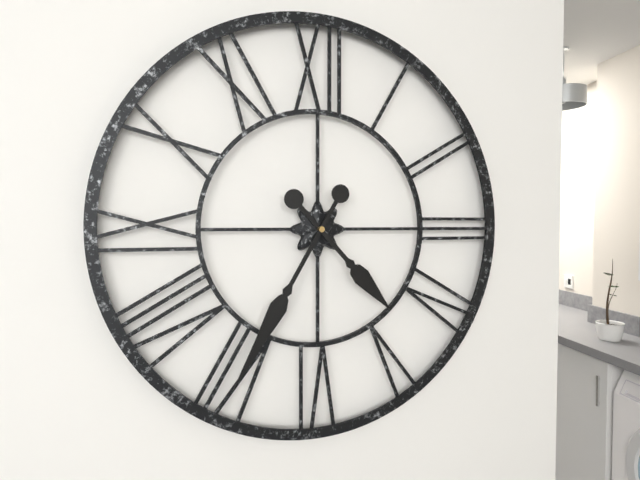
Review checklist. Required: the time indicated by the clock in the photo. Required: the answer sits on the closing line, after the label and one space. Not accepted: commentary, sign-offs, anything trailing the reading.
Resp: 4:35
